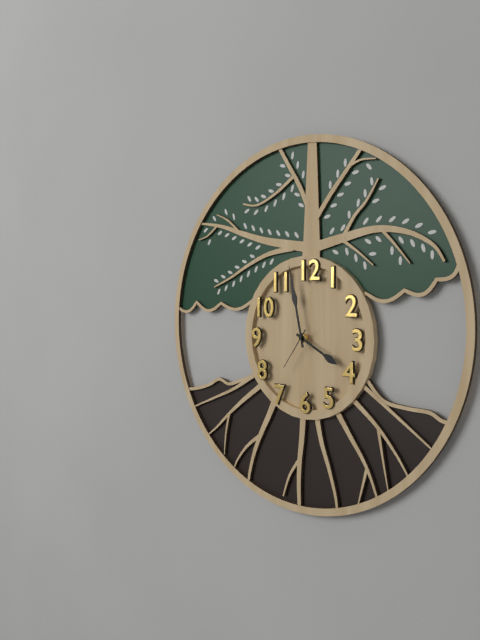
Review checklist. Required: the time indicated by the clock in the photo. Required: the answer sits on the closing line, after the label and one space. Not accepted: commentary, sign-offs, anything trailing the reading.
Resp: 3:58
